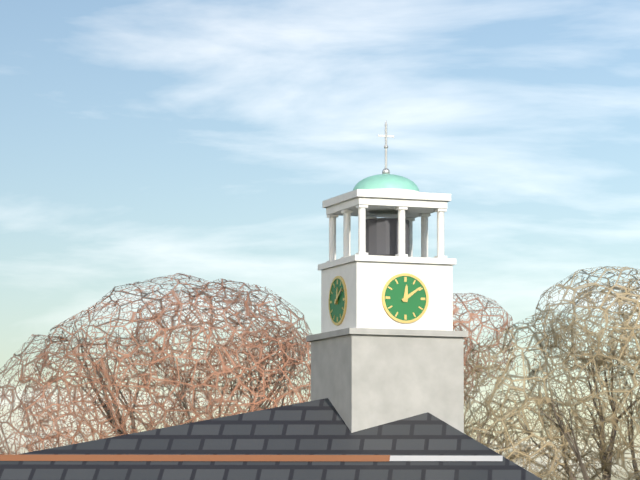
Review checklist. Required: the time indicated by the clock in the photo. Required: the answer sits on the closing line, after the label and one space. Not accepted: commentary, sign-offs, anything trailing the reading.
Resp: 12:09
